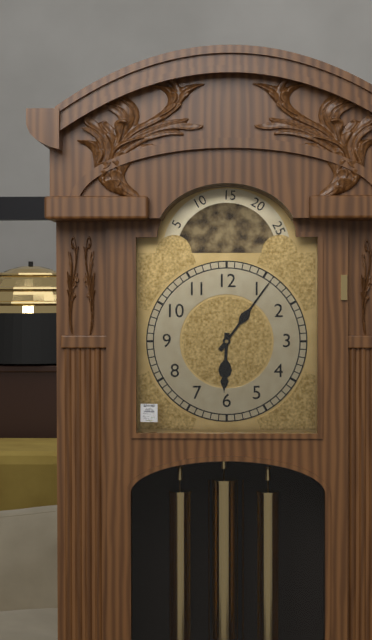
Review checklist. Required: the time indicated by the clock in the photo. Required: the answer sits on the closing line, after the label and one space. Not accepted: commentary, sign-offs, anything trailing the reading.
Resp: 6:06
